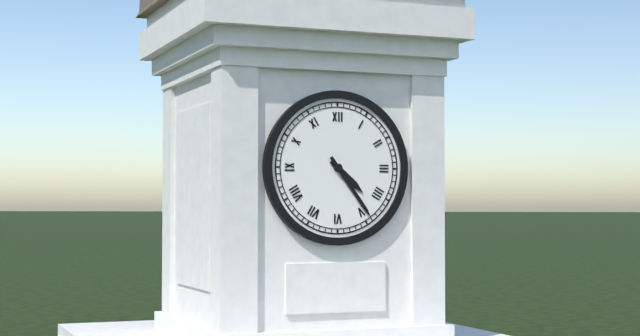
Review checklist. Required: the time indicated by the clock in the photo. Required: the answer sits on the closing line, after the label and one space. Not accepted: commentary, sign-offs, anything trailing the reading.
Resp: 4:24
